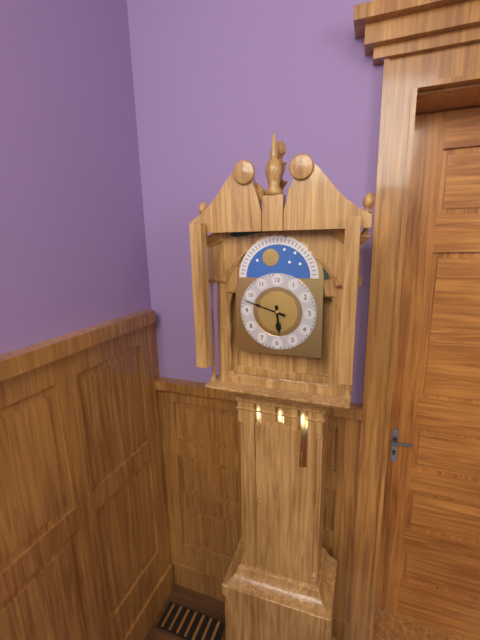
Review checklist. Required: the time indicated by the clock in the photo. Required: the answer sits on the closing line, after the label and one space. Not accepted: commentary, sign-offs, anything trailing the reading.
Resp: 5:48
